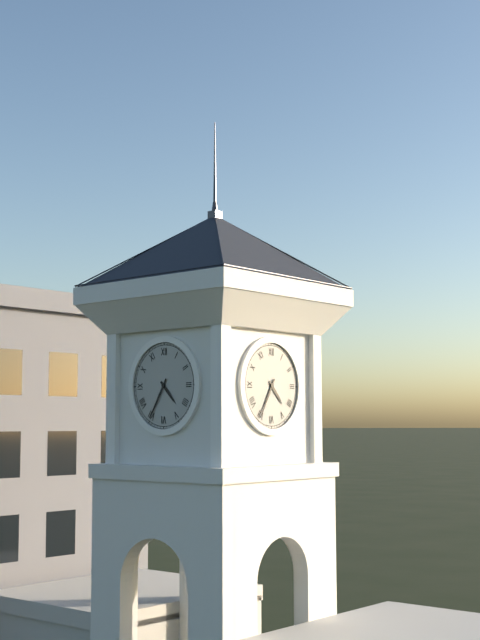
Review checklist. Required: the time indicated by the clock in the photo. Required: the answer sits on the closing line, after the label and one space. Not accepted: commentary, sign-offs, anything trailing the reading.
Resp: 4:35
